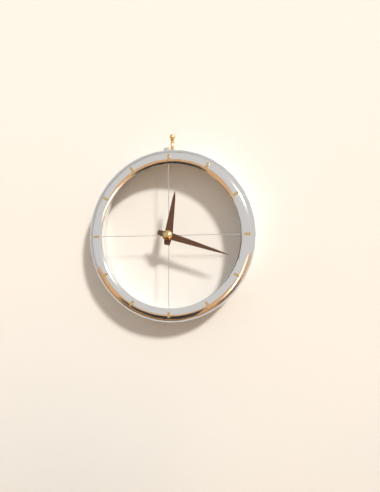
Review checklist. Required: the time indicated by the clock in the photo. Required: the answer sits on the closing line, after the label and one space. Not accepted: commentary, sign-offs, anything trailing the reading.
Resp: 12:18
